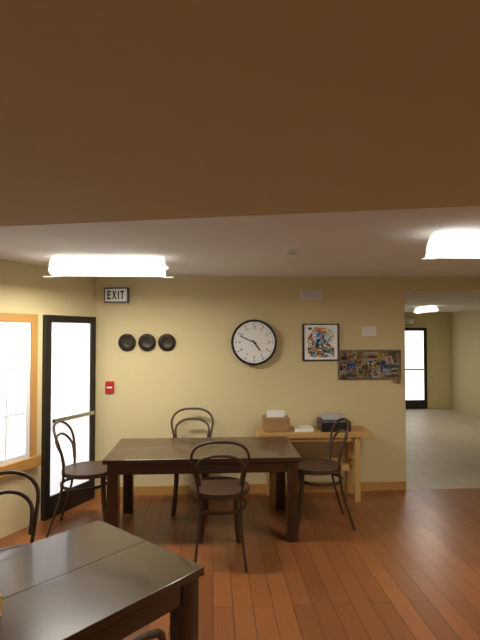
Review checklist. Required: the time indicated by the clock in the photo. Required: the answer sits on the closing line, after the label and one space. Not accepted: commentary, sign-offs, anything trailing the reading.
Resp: 4:49
